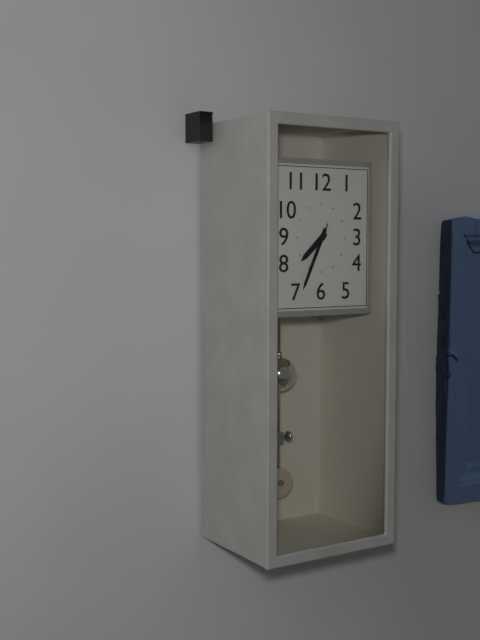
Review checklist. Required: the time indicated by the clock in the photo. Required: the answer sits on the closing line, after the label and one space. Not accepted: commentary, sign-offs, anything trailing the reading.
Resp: 7:34:34
